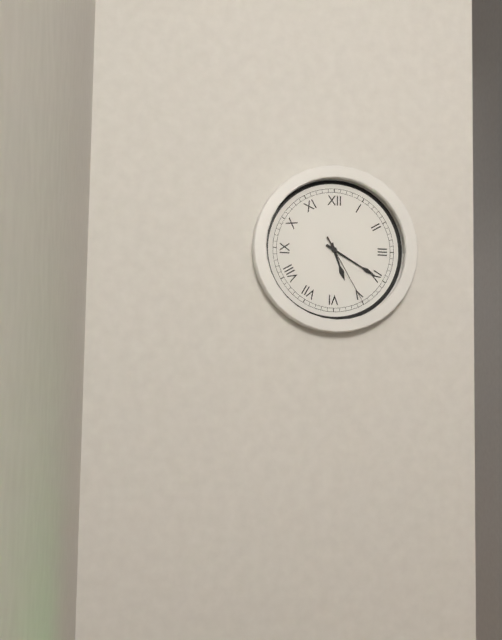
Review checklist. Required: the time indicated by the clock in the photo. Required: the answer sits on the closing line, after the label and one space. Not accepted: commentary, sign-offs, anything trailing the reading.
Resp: 5:20:25
